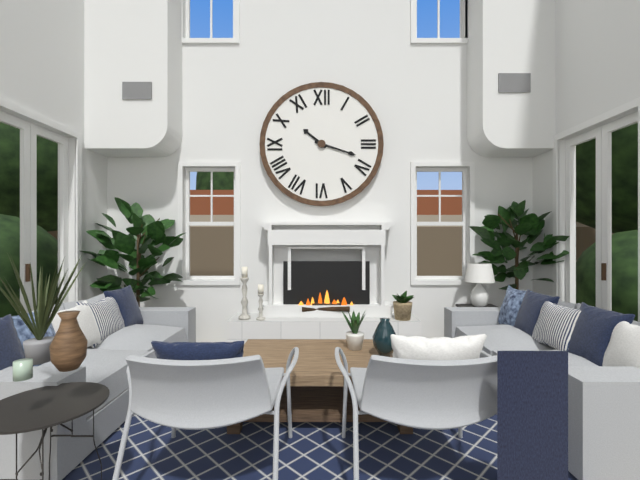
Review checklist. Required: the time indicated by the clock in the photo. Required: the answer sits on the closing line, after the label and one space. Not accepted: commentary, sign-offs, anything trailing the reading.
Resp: 10:18
